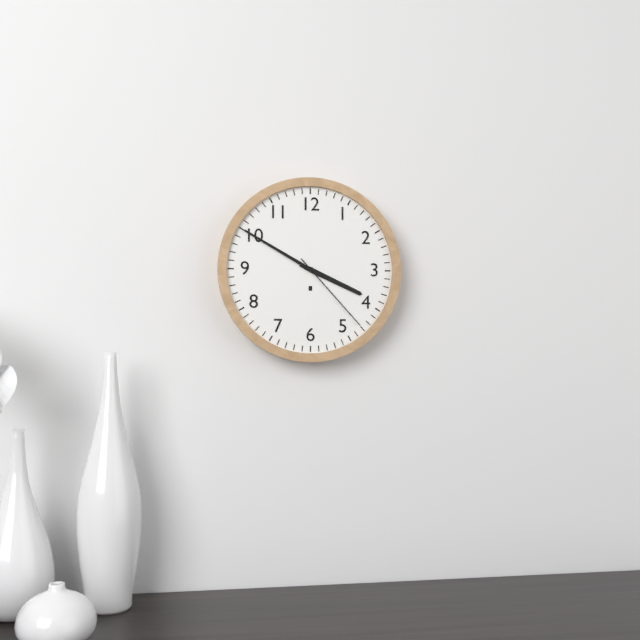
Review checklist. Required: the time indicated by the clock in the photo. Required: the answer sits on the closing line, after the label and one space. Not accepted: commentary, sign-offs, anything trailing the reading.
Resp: 3:50:23
